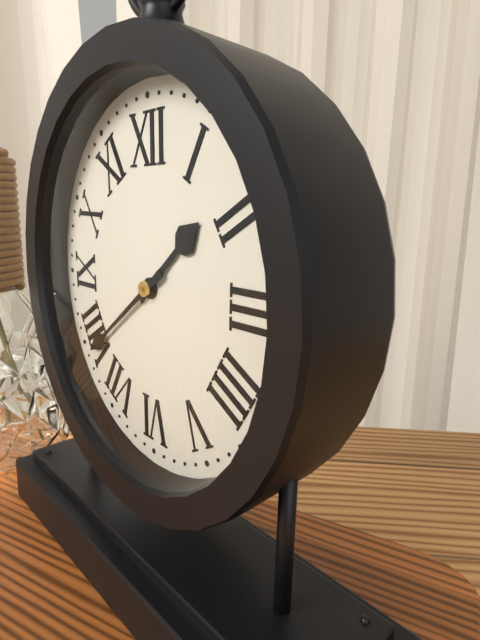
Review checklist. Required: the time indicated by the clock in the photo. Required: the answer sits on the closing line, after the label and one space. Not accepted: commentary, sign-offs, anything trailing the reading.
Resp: 1:39
